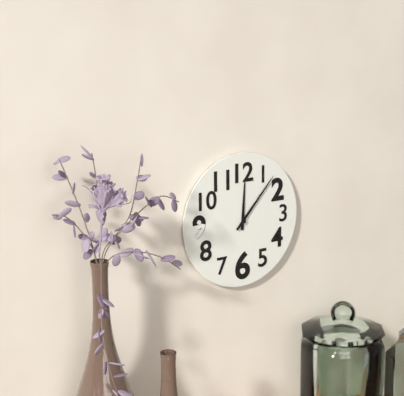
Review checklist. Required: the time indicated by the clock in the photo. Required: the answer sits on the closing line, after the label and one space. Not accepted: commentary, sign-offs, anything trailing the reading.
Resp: 12:07
